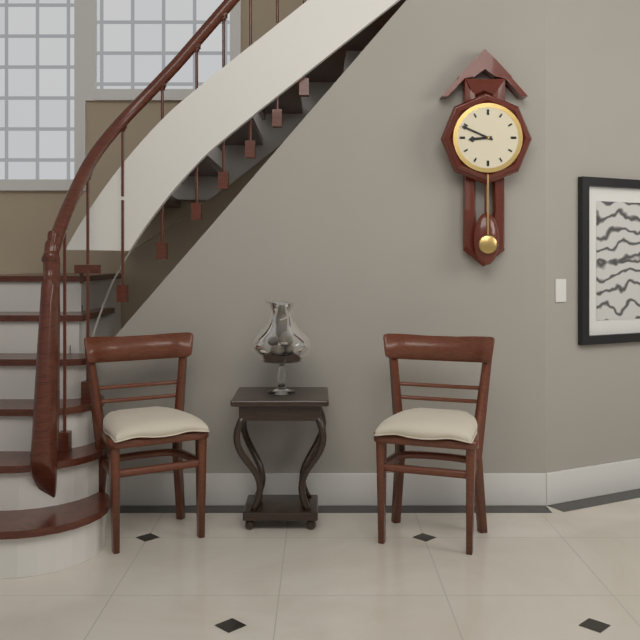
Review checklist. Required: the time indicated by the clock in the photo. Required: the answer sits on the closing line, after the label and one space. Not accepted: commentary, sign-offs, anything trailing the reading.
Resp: 8:49
